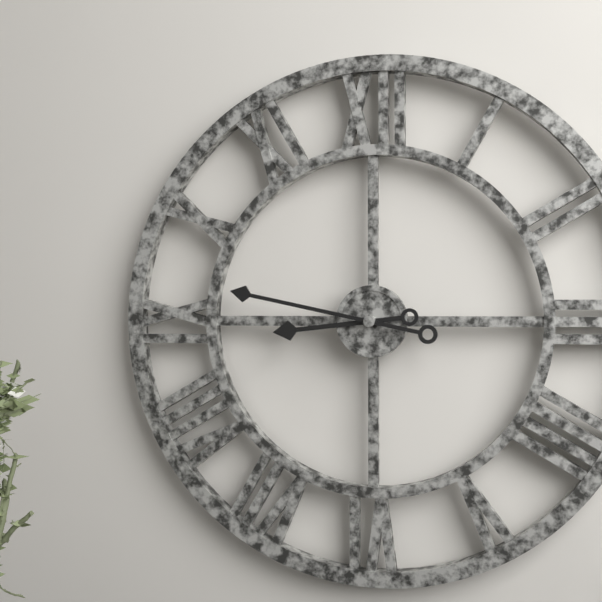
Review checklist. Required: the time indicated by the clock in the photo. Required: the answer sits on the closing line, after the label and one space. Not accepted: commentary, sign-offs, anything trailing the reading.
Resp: 8:47
